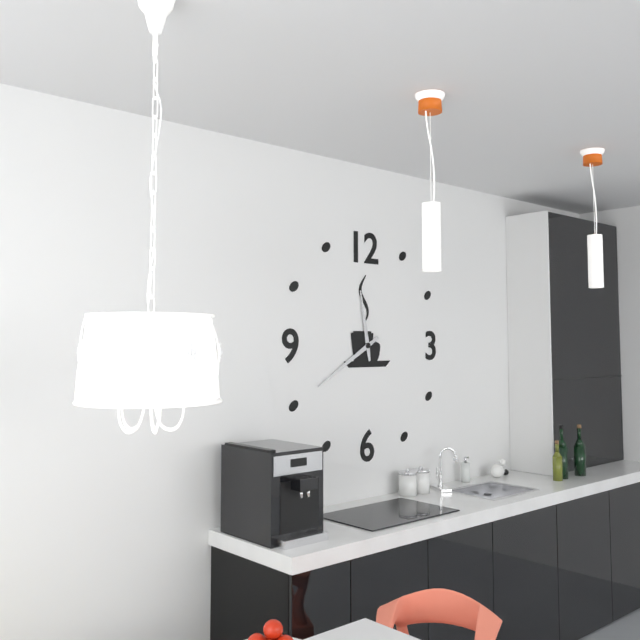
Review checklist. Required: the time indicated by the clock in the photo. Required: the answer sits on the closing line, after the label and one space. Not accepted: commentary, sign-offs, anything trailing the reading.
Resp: 11:40
